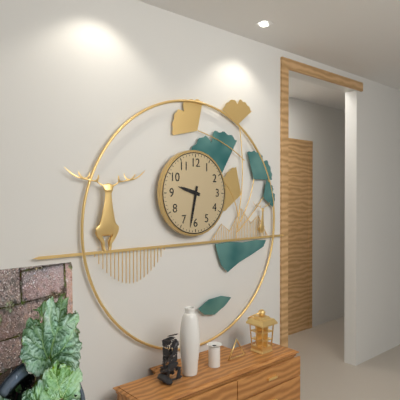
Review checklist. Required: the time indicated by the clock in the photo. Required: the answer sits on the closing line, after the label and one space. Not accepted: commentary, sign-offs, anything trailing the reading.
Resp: 9:32
